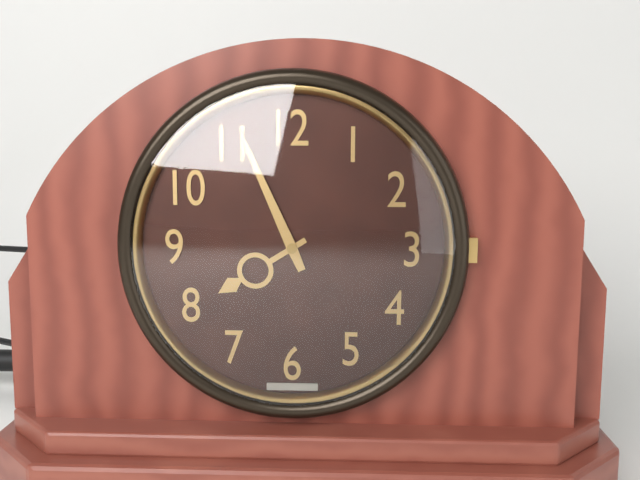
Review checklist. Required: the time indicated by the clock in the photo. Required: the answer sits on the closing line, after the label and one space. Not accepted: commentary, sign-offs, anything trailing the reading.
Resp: 7:56
